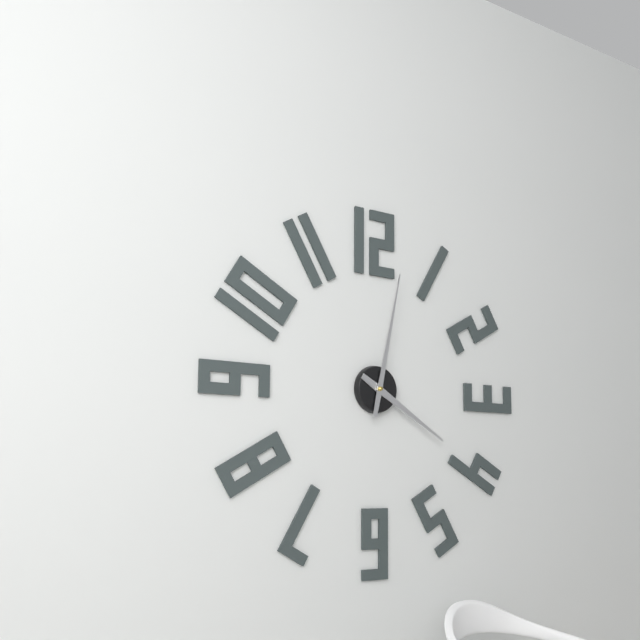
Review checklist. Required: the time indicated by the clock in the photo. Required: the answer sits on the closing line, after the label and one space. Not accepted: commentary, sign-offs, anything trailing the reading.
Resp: 4:02
